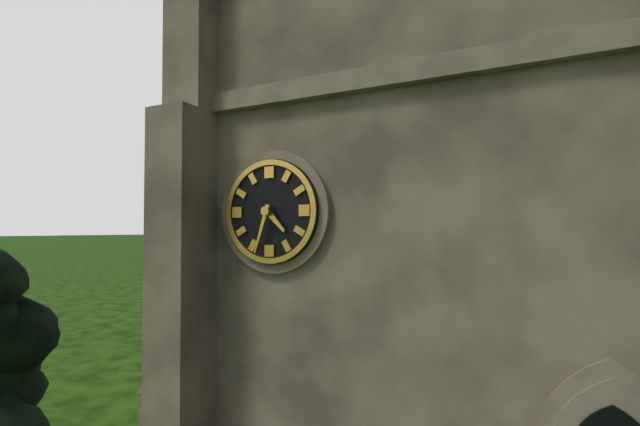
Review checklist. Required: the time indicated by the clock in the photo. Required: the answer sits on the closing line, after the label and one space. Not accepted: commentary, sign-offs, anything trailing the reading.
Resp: 4:33
